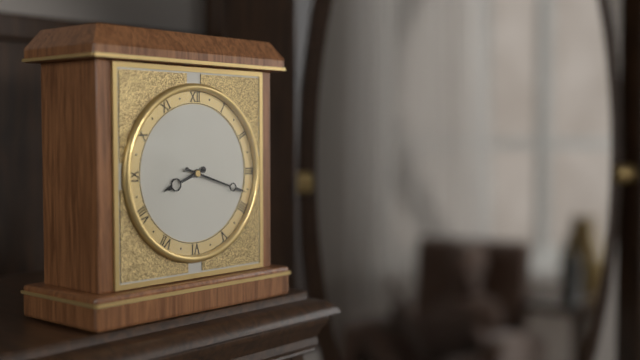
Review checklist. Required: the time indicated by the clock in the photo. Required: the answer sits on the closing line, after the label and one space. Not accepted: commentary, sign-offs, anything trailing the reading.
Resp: 8:18
